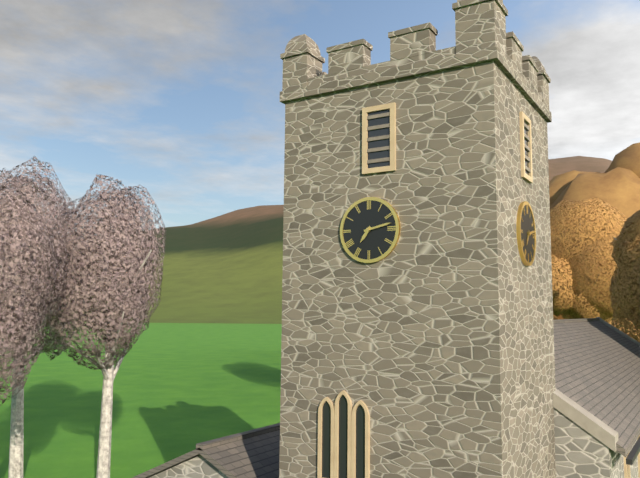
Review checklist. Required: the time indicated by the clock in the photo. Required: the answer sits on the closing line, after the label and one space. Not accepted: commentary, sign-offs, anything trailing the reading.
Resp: 7:13
